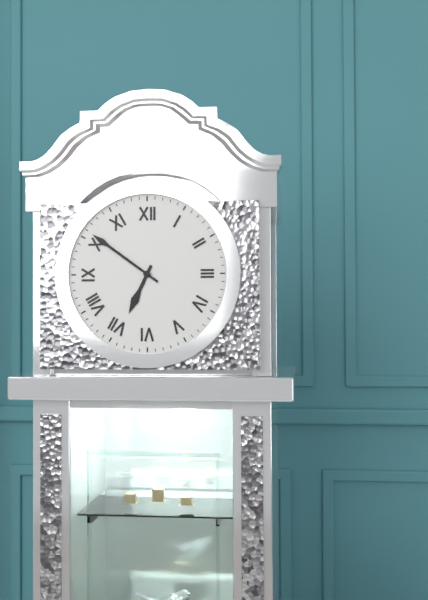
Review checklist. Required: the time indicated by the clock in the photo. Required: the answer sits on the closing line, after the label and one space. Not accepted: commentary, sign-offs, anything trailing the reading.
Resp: 6:51
